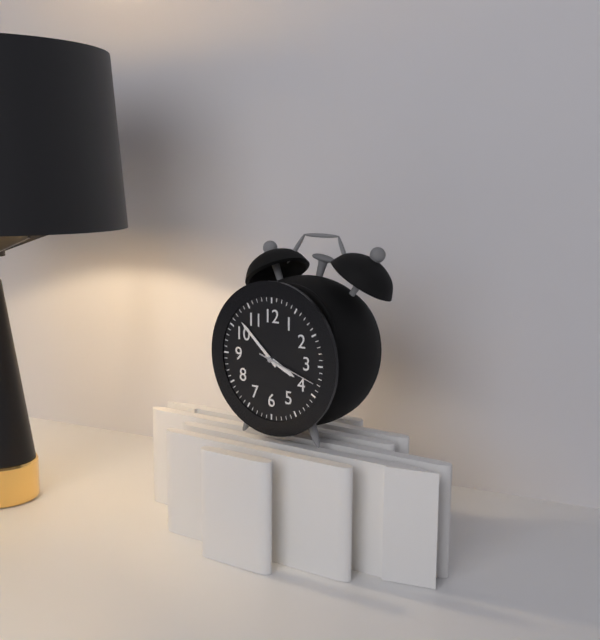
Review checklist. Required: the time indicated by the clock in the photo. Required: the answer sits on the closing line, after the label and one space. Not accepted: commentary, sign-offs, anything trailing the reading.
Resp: 3:52:18
